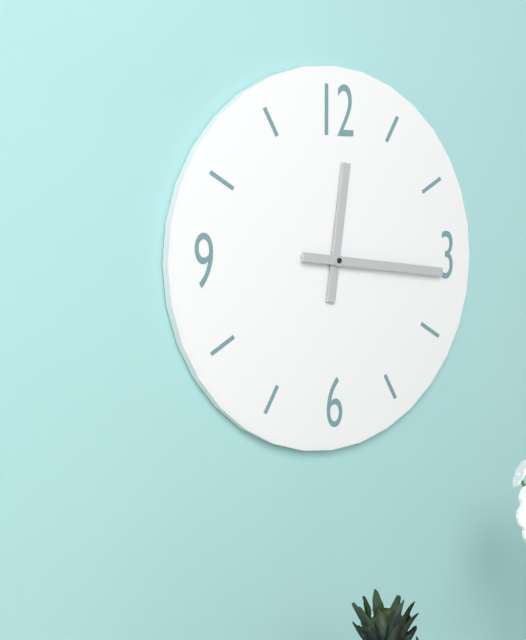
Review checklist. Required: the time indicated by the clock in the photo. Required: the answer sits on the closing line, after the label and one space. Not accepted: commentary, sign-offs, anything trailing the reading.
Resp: 12:16
